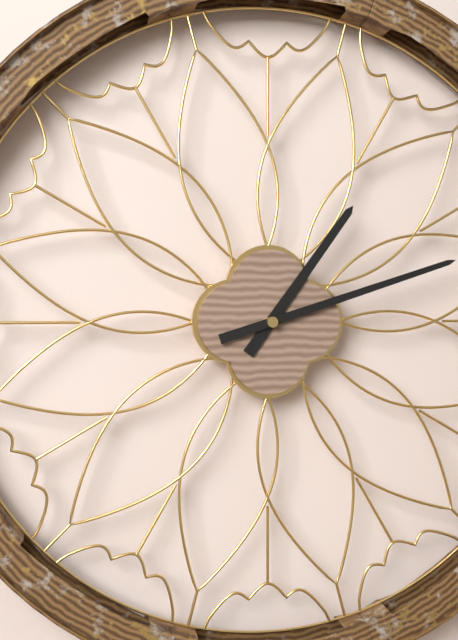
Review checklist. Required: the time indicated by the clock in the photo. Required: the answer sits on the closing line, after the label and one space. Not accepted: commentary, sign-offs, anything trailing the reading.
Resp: 1:12
